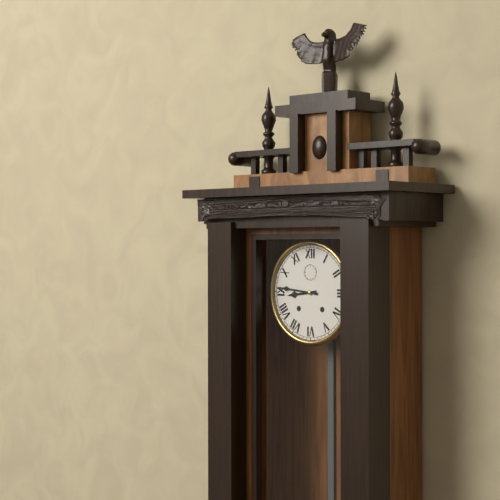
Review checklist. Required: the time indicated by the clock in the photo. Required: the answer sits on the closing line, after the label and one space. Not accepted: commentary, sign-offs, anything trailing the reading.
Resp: 8:46
